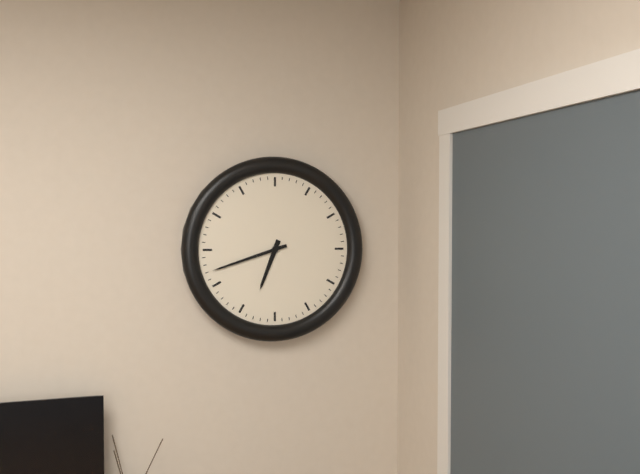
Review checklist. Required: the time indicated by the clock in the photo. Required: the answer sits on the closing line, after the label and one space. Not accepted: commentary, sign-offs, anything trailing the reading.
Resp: 6:42
